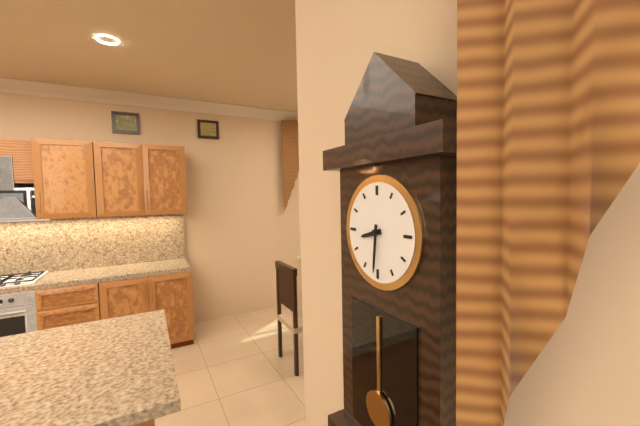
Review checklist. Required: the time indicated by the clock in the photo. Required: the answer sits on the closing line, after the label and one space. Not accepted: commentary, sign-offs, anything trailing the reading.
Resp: 8:31
